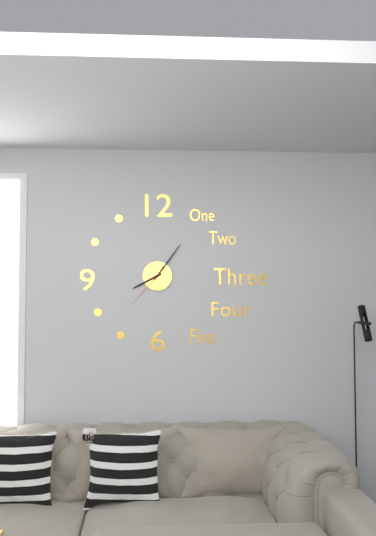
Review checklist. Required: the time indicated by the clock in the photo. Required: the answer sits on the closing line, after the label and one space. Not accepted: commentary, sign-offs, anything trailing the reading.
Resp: 8:06:37
